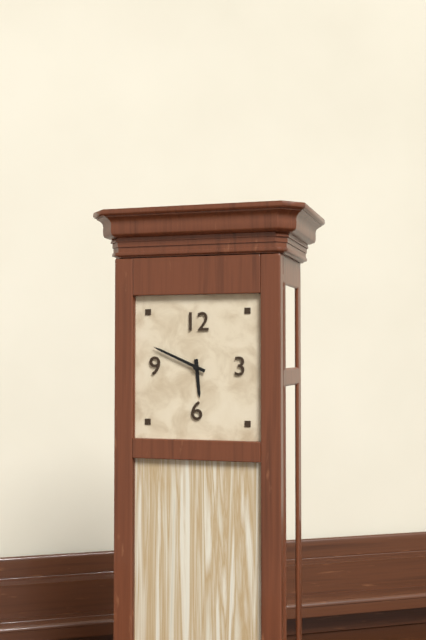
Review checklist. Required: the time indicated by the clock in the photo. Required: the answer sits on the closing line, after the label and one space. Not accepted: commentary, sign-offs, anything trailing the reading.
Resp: 5:49
